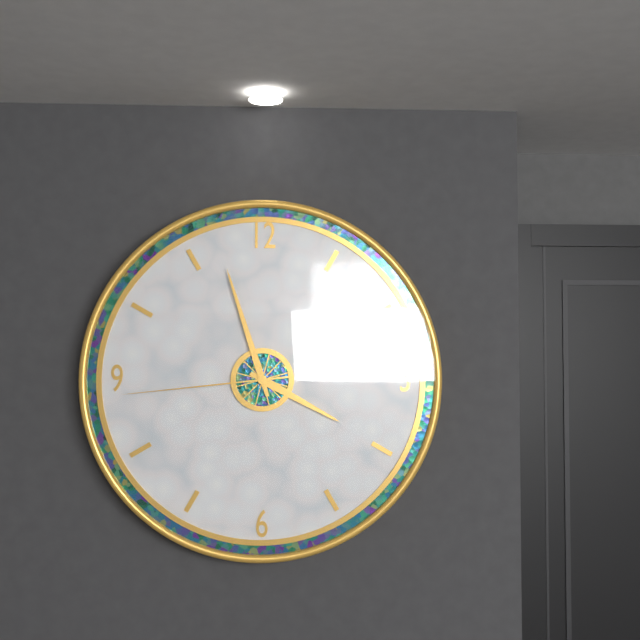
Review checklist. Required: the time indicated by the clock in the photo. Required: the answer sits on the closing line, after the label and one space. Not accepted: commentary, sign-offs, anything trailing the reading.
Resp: 3:57:44
